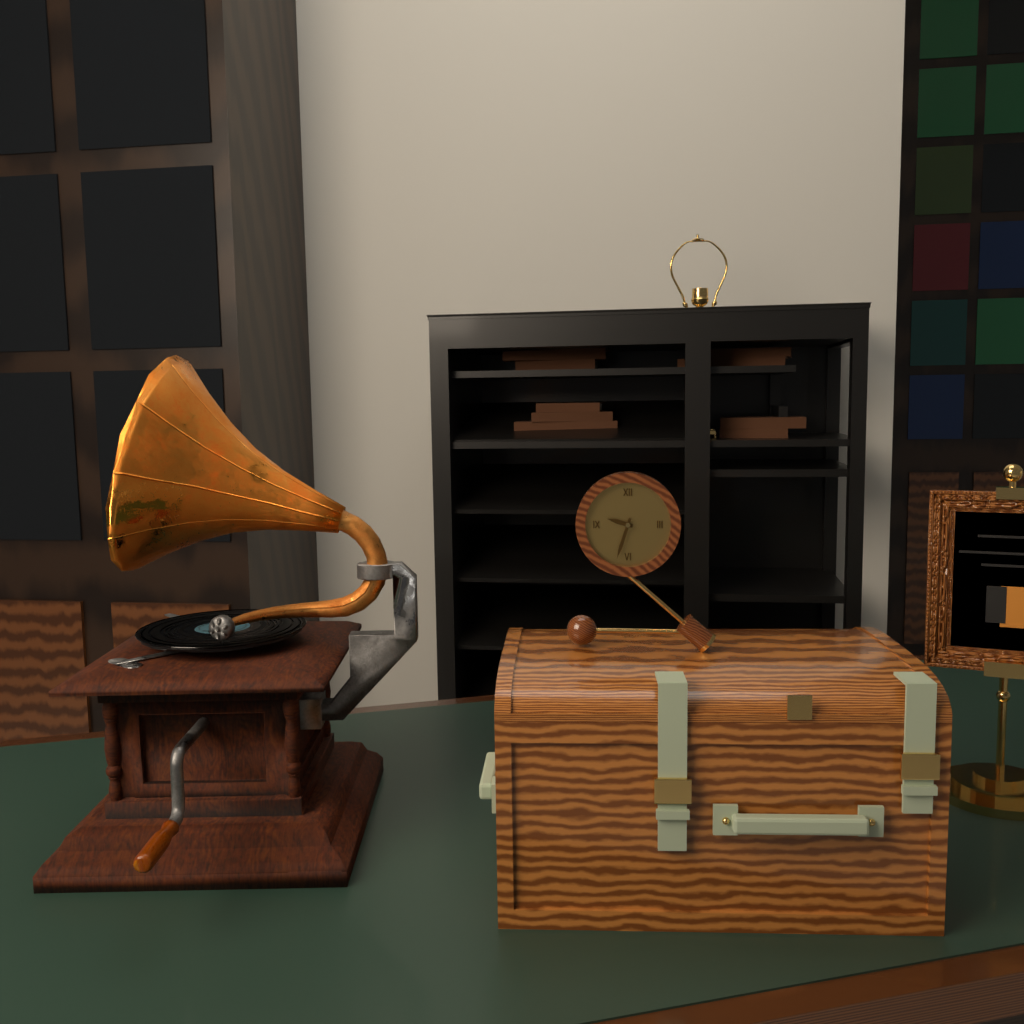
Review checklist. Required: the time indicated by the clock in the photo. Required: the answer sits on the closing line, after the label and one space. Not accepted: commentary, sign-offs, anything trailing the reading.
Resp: 9:33
